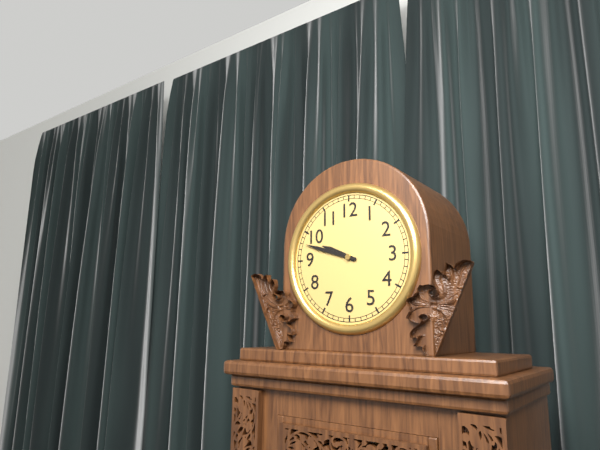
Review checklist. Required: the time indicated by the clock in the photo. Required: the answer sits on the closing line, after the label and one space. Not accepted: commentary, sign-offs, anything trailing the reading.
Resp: 9:48
